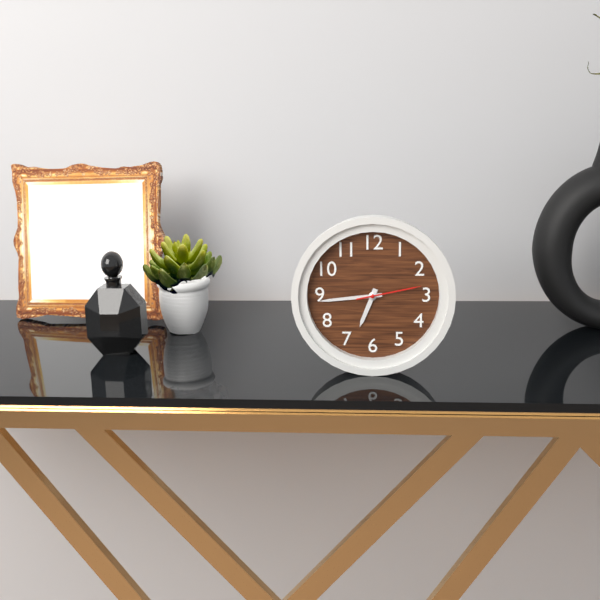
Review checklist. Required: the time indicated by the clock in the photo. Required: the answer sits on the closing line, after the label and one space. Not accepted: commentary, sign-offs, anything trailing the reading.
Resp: 6:44:13
